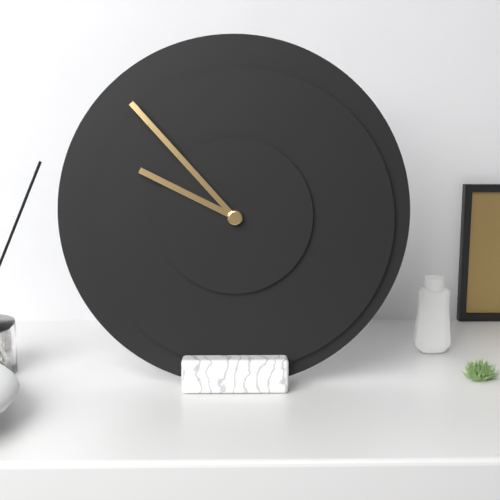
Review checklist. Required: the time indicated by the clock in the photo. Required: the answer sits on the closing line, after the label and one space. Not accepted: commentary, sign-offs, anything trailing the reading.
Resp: 9:53
